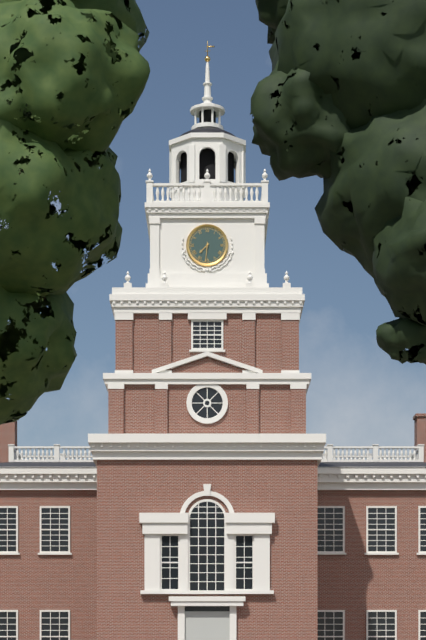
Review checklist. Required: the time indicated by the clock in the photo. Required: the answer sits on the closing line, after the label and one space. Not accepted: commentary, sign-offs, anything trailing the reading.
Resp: 7:31
